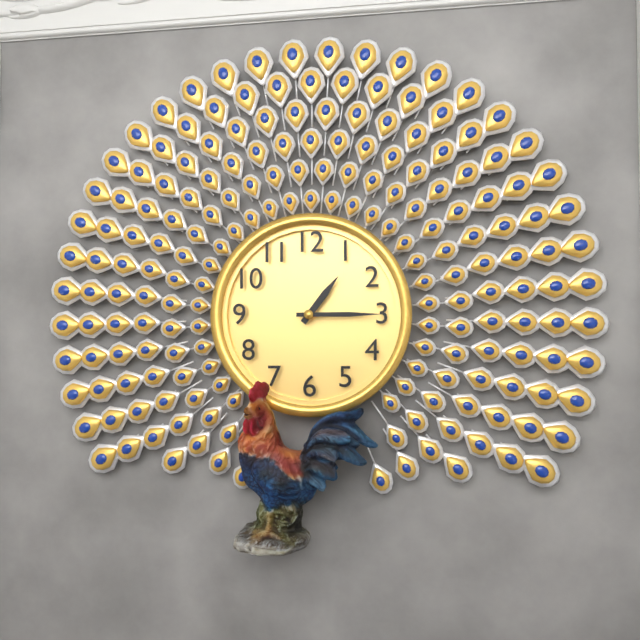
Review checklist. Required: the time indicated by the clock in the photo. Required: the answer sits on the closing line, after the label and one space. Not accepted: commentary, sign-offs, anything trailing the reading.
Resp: 1:15
